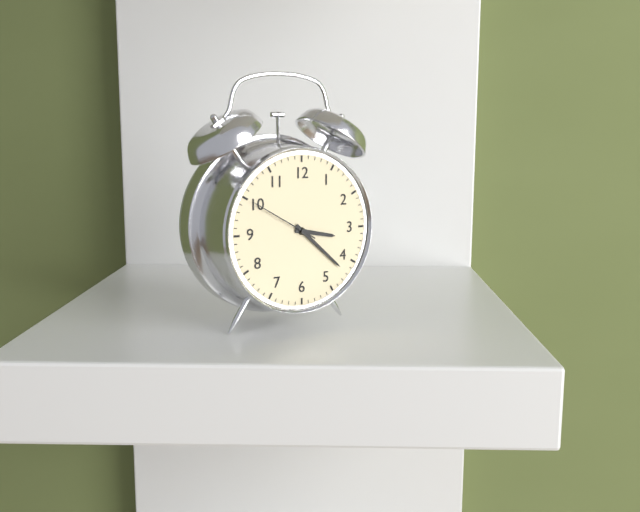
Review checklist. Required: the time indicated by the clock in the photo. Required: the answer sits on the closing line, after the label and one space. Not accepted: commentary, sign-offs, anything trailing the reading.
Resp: 3:22:50
